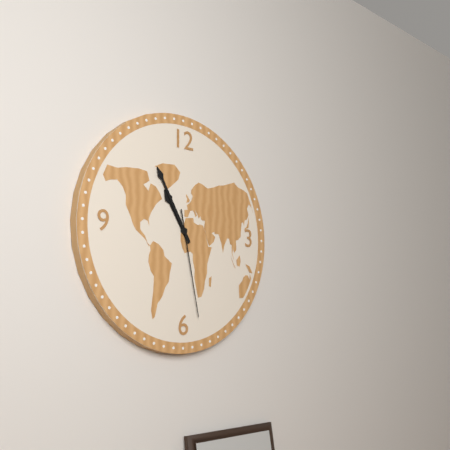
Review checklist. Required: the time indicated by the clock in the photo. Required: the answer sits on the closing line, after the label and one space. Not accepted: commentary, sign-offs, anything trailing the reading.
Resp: 10:55:28
